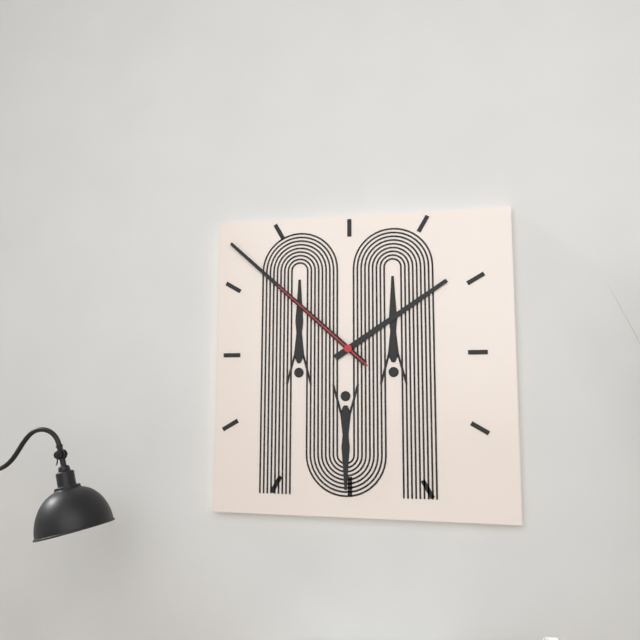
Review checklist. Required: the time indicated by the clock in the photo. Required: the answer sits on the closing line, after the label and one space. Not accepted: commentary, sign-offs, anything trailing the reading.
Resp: 1:52:52
